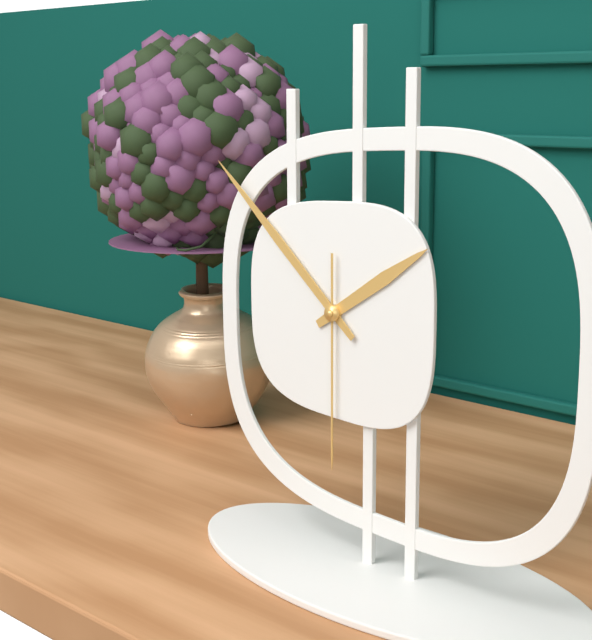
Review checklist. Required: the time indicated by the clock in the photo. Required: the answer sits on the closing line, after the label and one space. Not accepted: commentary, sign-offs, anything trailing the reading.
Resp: 1:52:30
